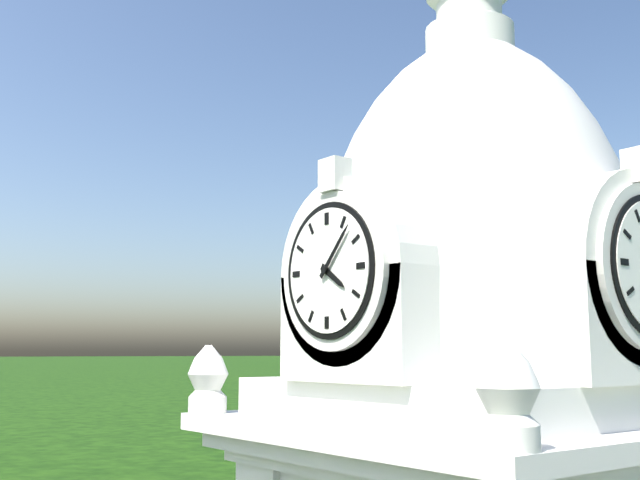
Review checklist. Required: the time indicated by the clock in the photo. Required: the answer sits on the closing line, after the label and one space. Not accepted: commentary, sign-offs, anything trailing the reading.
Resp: 4:07
